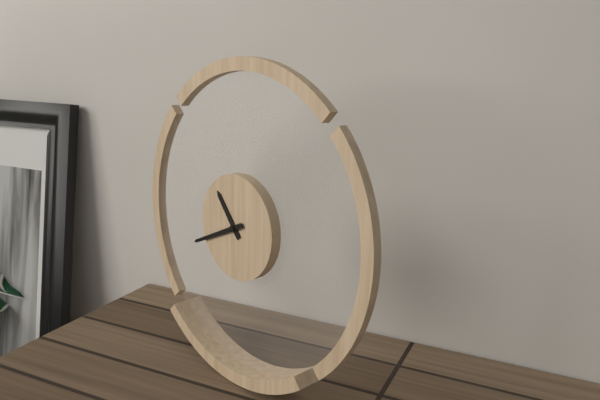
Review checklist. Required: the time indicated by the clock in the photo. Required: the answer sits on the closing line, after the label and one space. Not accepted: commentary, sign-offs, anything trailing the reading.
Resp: 10:41
